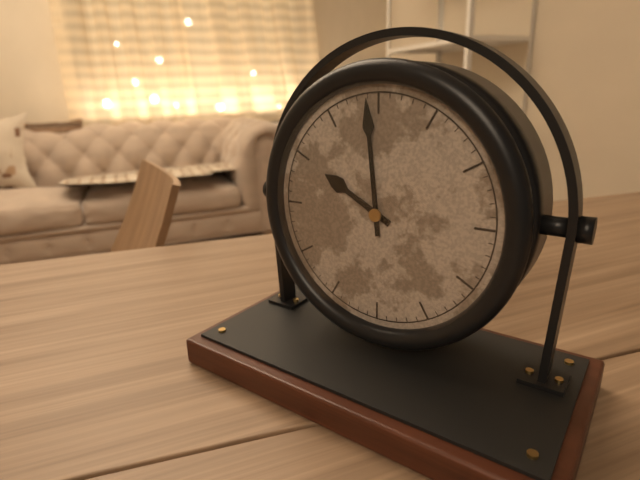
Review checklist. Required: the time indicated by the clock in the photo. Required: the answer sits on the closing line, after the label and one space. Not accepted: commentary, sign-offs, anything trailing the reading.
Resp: 9:59
